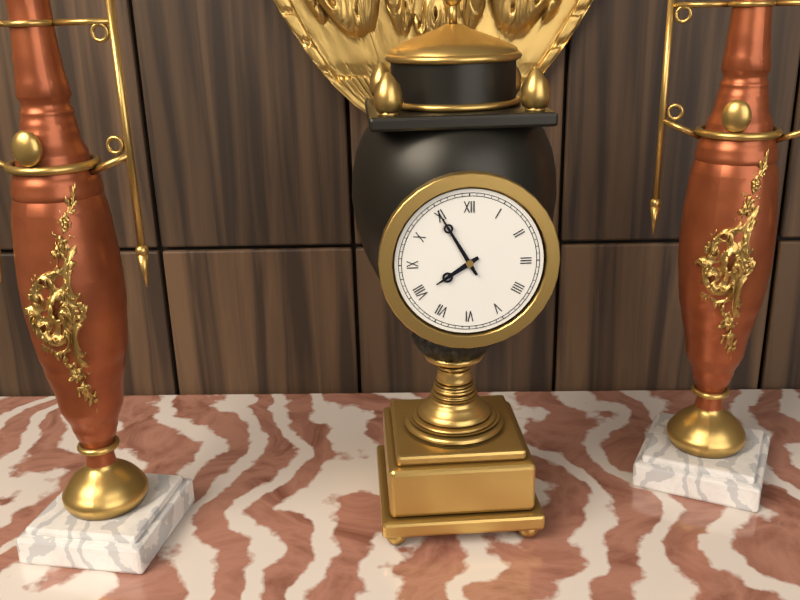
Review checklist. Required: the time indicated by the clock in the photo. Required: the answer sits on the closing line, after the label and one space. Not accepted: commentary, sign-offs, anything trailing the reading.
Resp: 7:55
